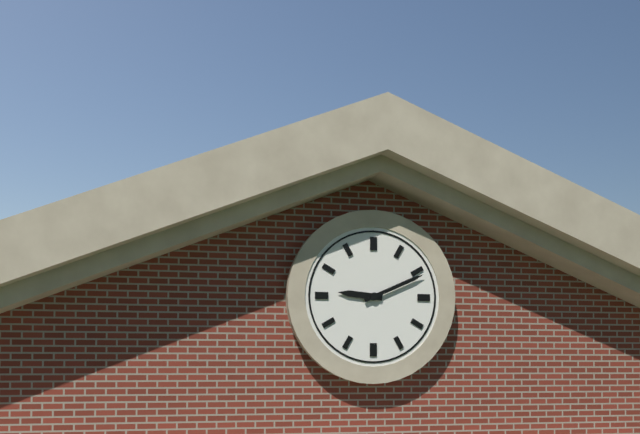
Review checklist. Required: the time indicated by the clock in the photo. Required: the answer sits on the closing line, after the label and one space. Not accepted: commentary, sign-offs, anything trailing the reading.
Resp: 9:11
